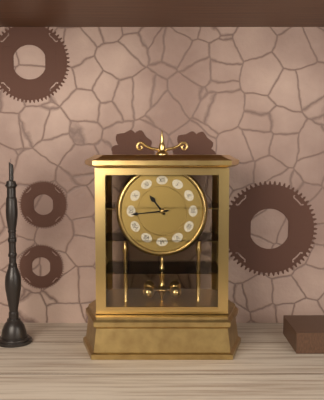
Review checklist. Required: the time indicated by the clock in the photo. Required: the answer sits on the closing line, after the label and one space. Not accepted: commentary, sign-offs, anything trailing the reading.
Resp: 10:44
